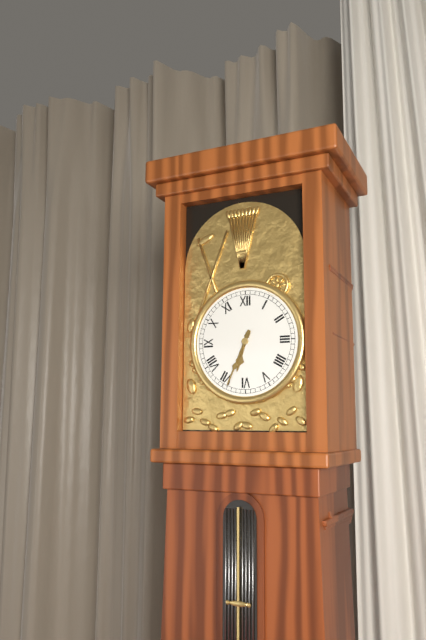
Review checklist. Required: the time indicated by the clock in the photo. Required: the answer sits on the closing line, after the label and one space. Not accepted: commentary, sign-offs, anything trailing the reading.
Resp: 6:34
